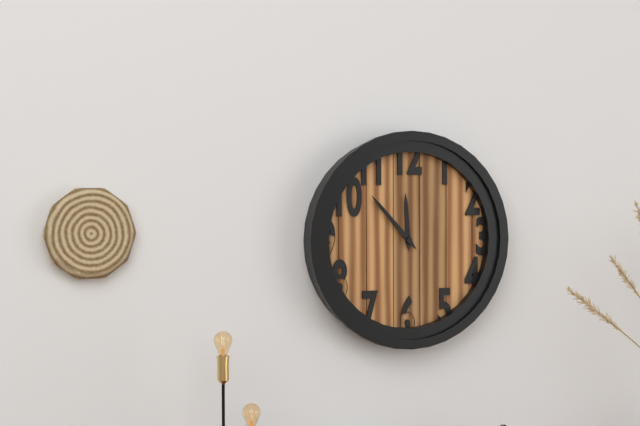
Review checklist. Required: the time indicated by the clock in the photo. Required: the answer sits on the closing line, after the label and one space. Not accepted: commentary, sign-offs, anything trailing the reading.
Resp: 11:53
